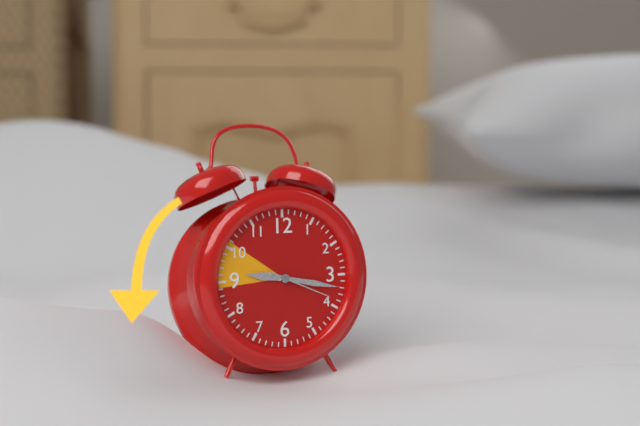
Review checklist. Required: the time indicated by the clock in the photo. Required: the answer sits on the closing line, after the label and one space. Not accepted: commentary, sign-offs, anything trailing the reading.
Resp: 9:17:19
